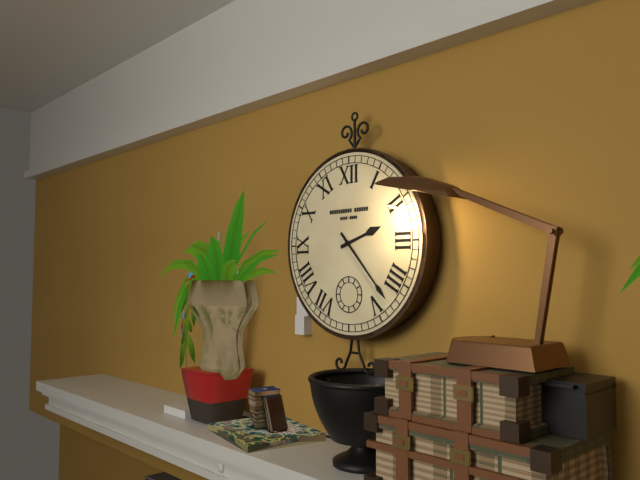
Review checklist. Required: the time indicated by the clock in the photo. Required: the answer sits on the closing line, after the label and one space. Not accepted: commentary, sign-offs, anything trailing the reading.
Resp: 2:23
